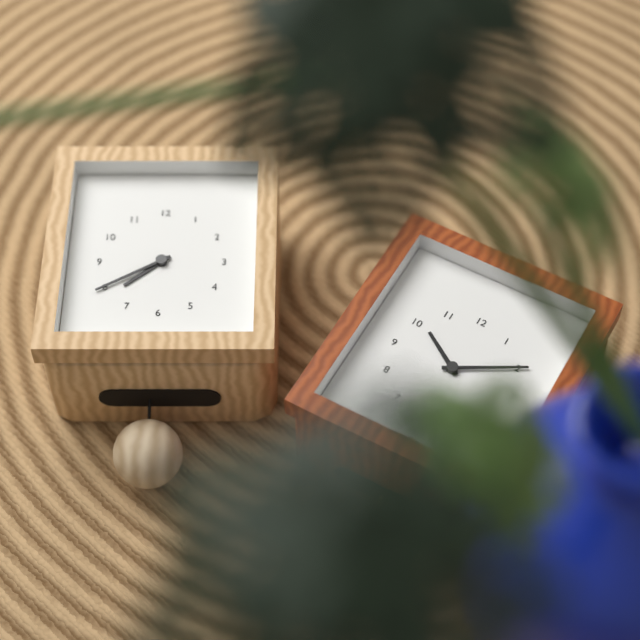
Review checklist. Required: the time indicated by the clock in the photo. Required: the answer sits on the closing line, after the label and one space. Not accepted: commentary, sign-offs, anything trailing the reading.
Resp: 7:40
